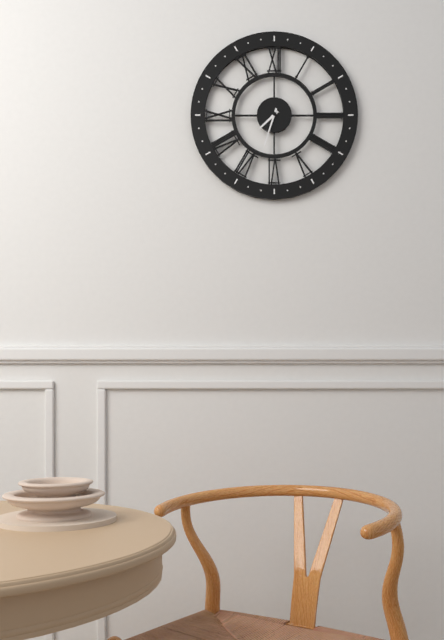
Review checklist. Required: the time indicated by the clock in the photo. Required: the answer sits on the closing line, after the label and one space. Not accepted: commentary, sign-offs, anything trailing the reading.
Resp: 7:33
